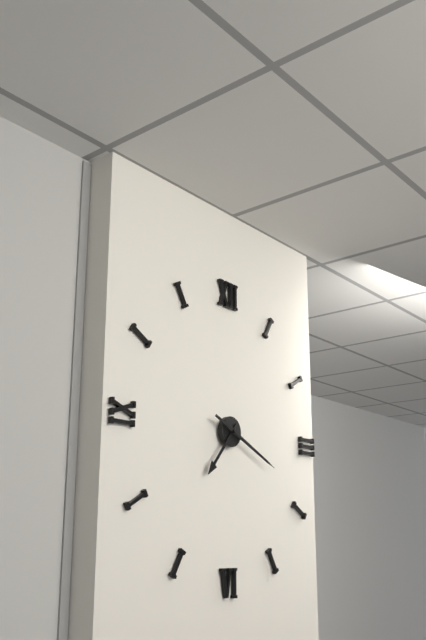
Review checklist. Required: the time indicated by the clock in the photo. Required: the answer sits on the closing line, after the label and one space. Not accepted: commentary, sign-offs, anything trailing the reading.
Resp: 7:19
